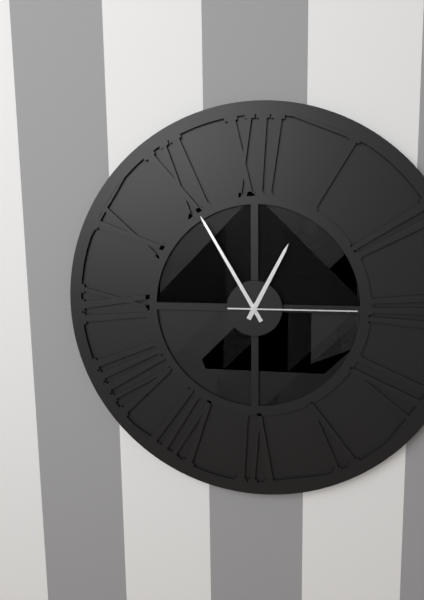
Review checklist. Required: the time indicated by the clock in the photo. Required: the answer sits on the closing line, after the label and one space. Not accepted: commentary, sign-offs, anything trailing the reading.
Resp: 12:55:15
